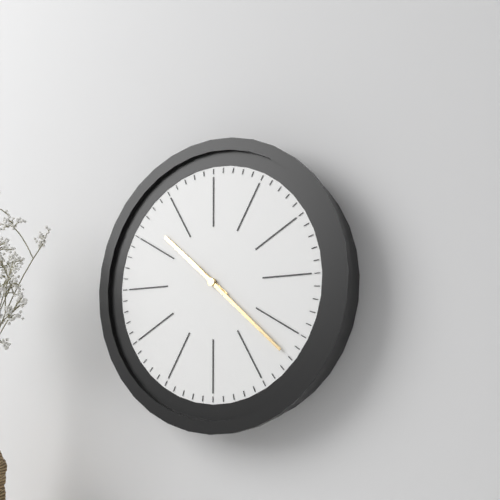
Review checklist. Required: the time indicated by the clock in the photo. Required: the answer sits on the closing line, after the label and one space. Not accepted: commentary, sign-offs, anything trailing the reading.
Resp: 10:22
